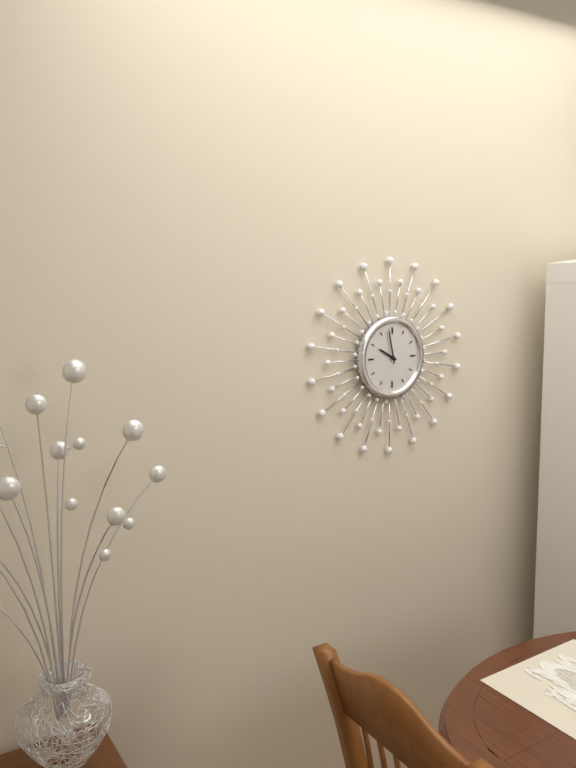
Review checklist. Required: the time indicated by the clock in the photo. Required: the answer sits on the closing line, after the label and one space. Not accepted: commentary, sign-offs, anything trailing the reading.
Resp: 9:58
